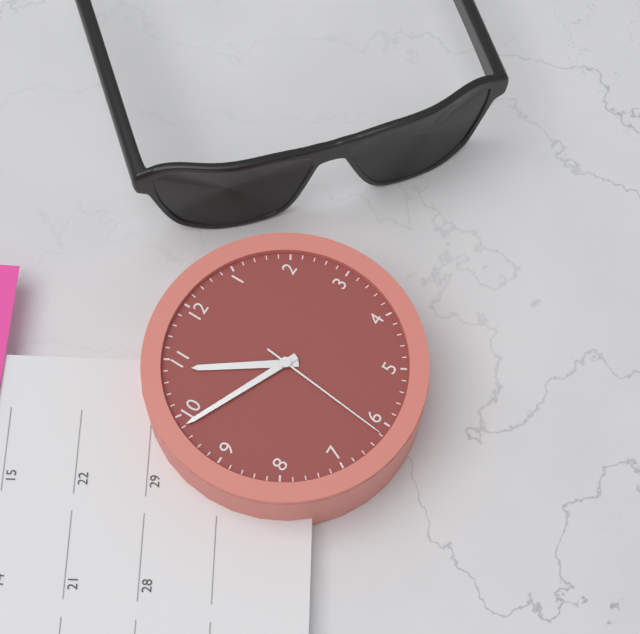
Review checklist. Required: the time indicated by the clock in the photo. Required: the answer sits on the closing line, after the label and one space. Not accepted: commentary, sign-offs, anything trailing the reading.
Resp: 10:49:31
